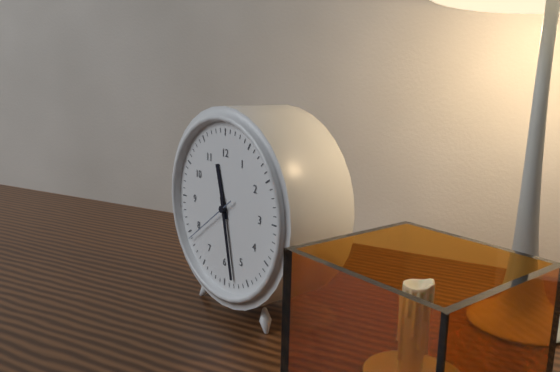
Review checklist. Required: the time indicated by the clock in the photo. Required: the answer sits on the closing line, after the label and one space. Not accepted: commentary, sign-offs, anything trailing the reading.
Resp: 11:28:39
